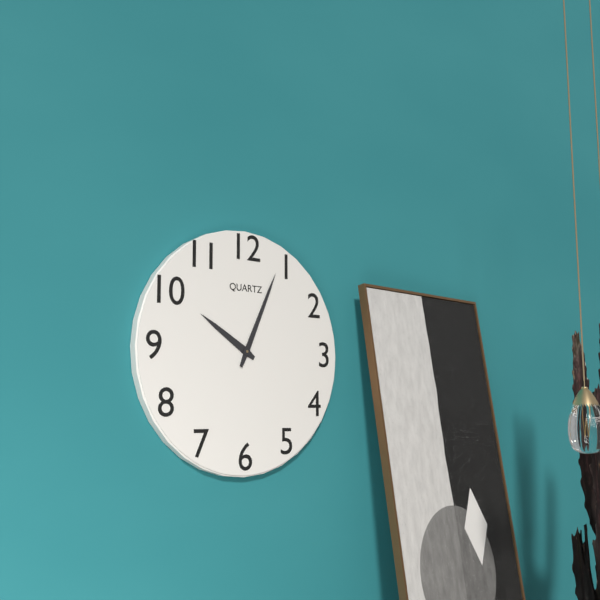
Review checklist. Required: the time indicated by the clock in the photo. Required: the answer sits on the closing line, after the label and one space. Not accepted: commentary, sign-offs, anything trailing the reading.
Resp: 10:04
